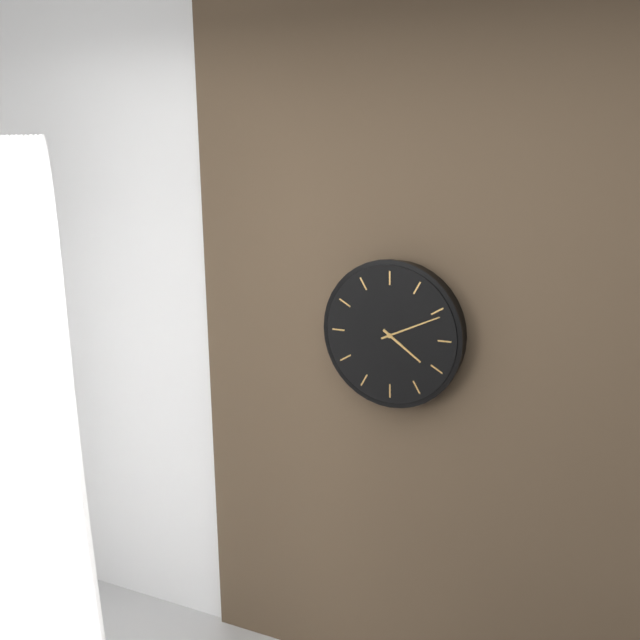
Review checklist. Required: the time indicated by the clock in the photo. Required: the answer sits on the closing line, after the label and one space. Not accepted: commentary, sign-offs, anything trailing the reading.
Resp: 4:11
